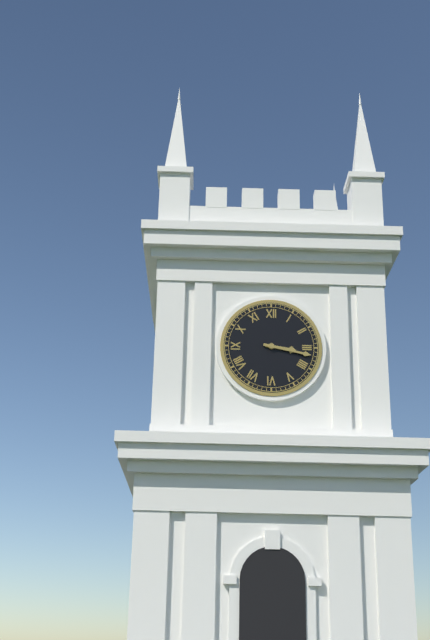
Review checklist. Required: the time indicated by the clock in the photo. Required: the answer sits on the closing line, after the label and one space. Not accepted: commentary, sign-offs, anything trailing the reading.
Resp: 3:17
